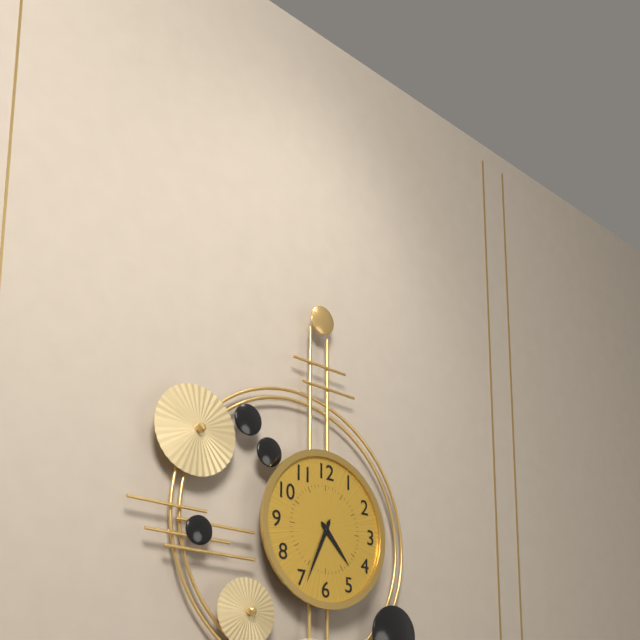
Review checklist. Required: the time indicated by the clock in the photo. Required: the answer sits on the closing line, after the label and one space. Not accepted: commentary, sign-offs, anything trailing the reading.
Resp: 4:34
